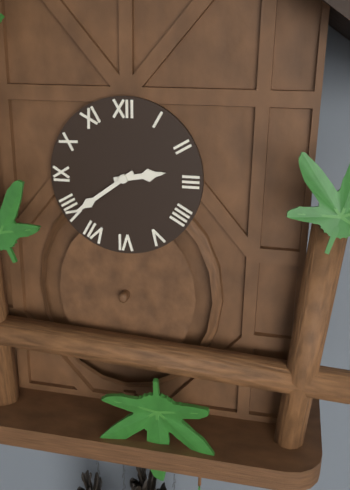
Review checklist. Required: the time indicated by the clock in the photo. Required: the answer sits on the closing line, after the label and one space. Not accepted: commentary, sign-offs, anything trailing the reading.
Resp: 2:39
